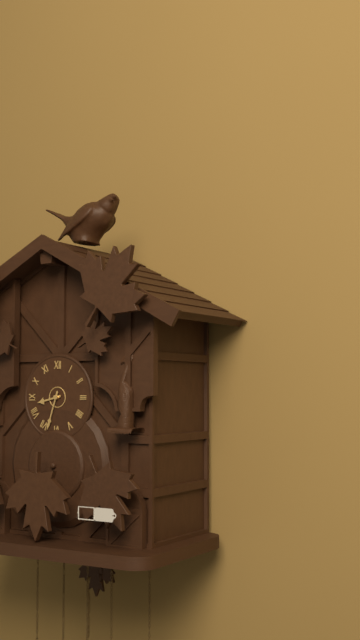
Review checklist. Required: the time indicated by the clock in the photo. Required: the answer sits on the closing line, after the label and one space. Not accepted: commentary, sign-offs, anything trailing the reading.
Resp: 8:33
